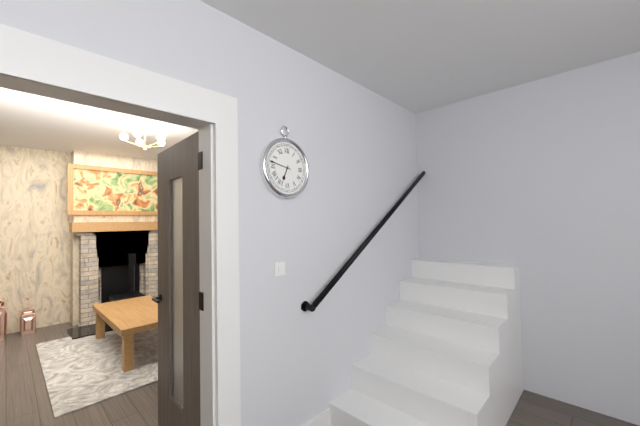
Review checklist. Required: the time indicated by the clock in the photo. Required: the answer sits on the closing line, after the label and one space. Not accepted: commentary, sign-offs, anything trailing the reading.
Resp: 6:47
